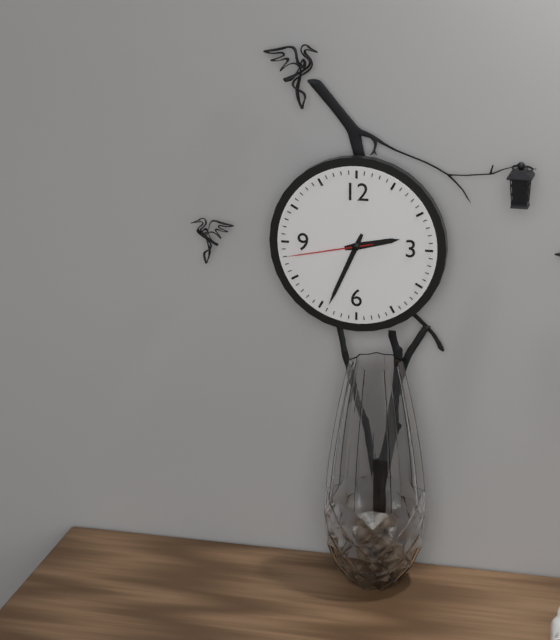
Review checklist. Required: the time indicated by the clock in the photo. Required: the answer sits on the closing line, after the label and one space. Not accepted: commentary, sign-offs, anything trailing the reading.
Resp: 2:34:43
